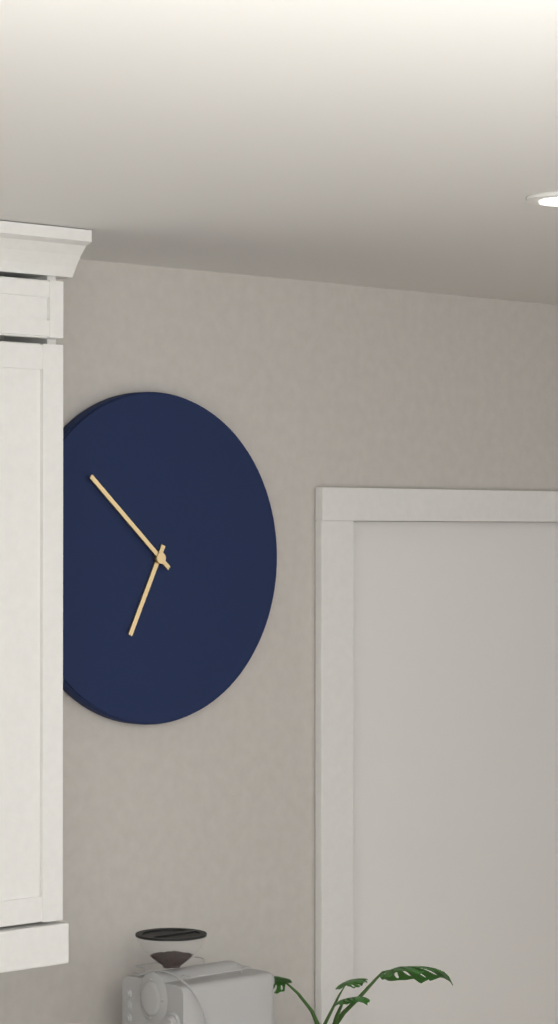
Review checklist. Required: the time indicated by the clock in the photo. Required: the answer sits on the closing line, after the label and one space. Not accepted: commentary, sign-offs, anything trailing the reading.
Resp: 6:52
